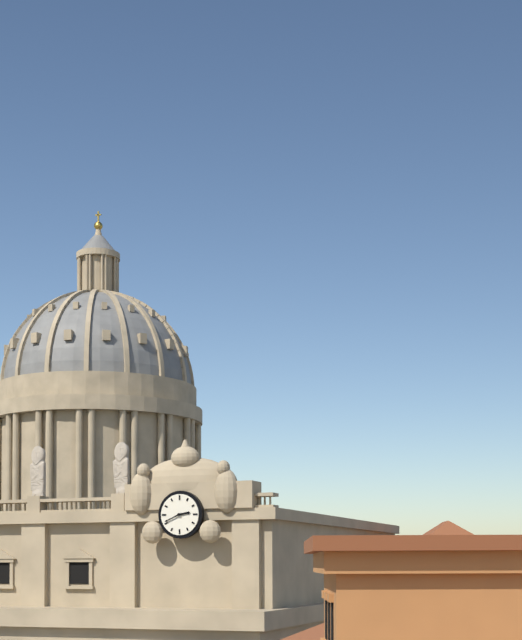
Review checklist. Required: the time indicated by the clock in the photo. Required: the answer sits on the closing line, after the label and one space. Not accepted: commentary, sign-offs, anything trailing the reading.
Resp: 2:41
